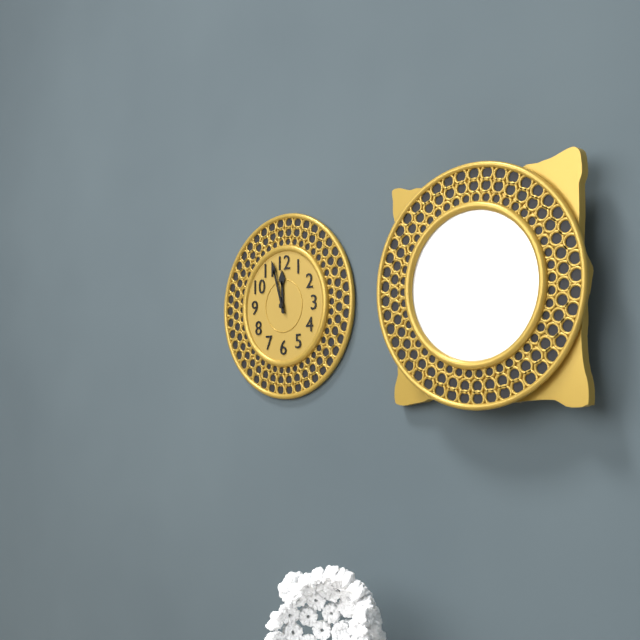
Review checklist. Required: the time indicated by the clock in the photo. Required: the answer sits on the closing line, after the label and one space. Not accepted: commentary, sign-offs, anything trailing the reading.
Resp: 11:57
